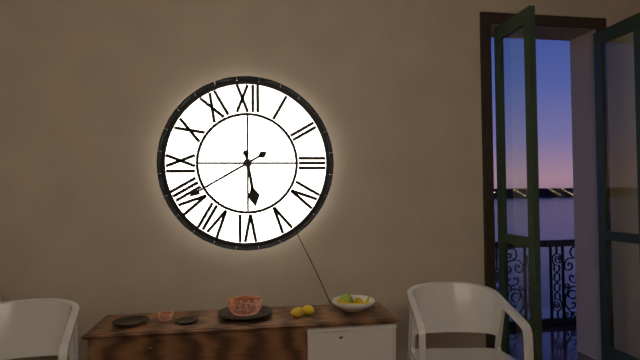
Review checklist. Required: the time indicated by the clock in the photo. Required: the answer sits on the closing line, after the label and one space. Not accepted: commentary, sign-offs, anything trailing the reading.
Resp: 5:40
